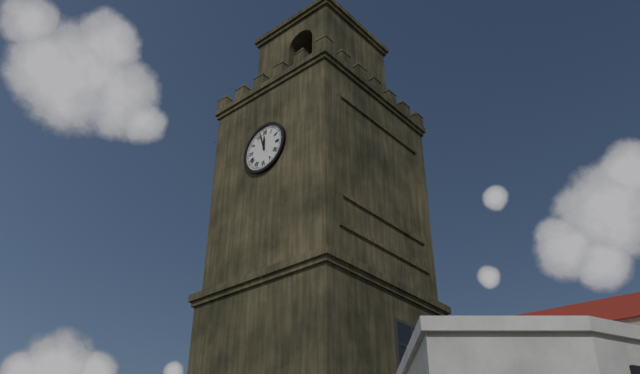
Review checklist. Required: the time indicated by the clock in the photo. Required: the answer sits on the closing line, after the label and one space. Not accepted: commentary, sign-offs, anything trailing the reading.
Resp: 11:57
